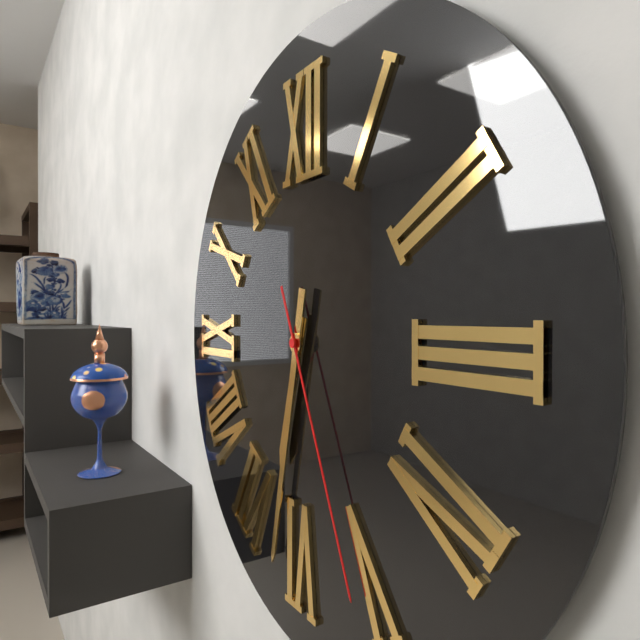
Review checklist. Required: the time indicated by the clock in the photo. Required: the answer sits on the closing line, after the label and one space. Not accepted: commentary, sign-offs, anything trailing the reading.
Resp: 6:32:26
